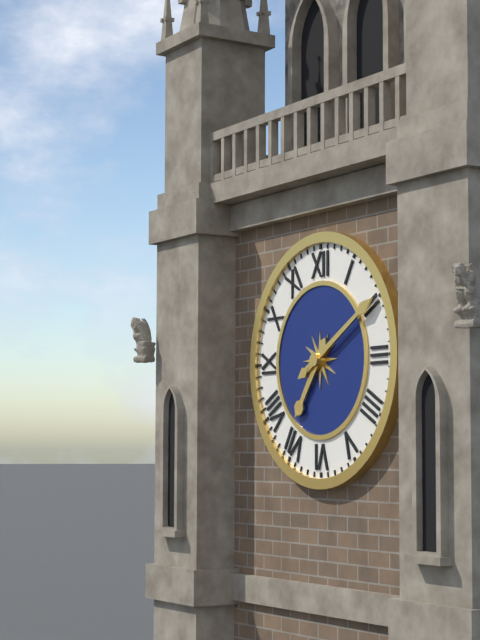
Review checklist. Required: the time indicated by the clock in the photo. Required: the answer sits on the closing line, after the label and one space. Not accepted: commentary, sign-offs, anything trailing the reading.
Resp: 7:10
